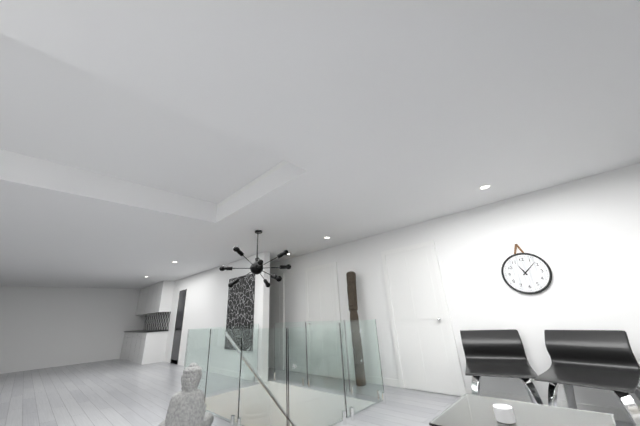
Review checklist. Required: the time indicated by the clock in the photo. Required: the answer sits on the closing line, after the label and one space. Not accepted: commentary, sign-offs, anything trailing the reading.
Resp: 11:08
